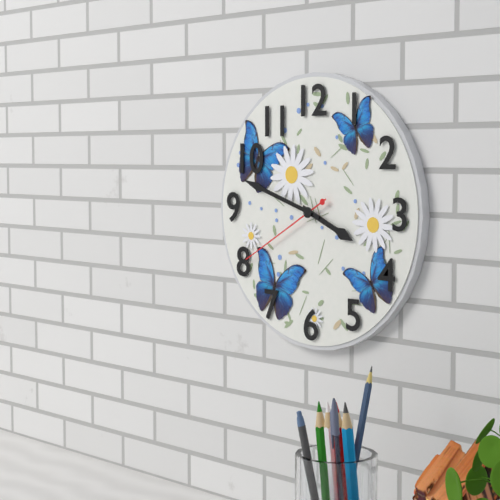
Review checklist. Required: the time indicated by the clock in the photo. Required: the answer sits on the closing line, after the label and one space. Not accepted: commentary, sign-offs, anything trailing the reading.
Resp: 3:48:40
